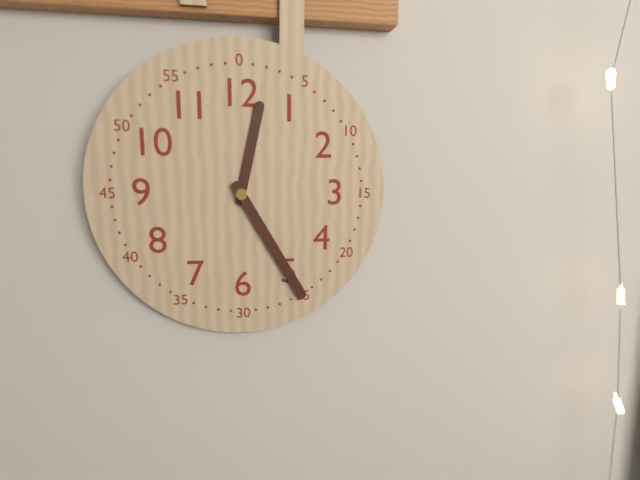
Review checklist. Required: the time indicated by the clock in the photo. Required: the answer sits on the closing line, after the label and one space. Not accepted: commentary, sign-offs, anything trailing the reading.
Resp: 12:25
